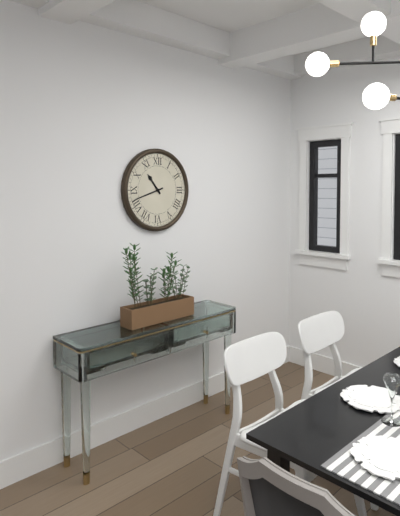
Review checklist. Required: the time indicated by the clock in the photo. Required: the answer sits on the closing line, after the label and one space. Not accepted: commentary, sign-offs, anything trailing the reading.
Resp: 10:42
